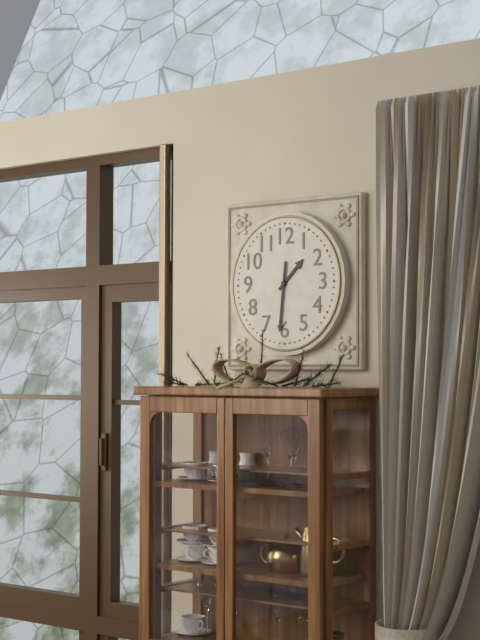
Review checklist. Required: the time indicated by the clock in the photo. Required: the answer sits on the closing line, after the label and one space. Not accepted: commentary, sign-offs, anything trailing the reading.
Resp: 1:31
